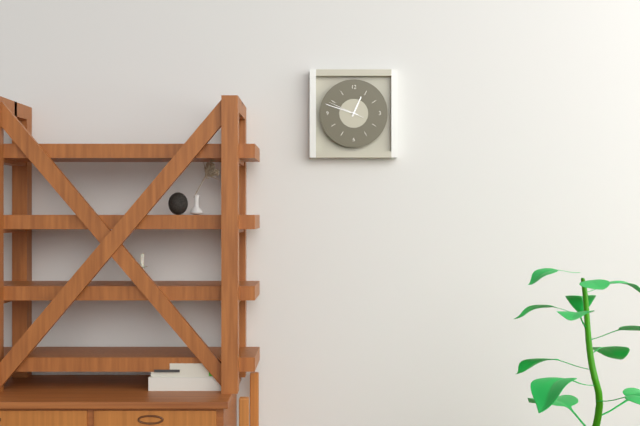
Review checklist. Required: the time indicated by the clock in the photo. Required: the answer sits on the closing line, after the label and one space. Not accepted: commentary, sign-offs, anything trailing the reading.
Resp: 12:48
